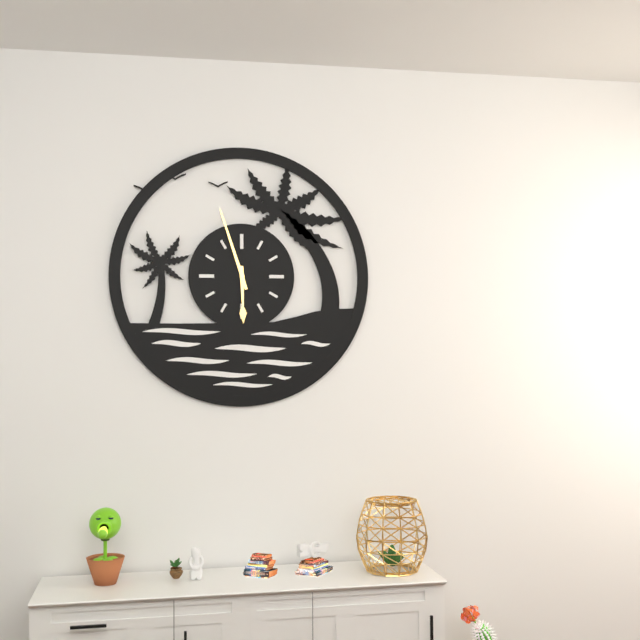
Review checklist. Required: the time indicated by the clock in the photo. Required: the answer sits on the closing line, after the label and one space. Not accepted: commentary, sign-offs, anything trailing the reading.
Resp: 5:57
